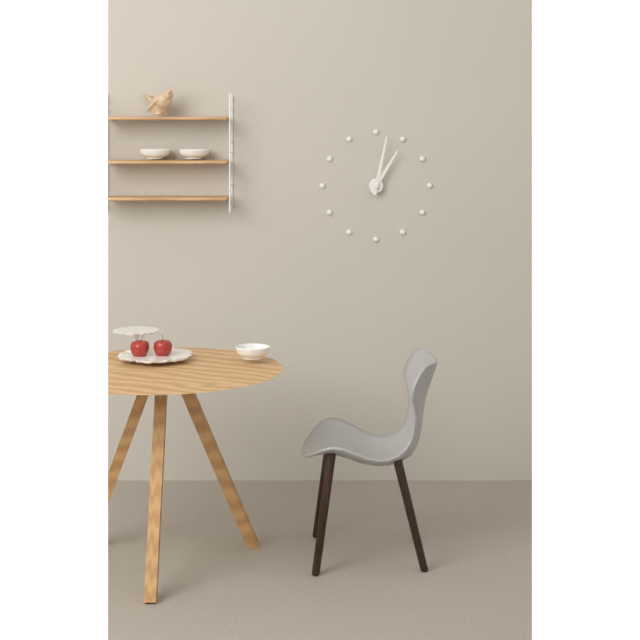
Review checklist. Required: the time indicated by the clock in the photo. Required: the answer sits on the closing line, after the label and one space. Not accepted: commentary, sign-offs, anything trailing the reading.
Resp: 1:02
